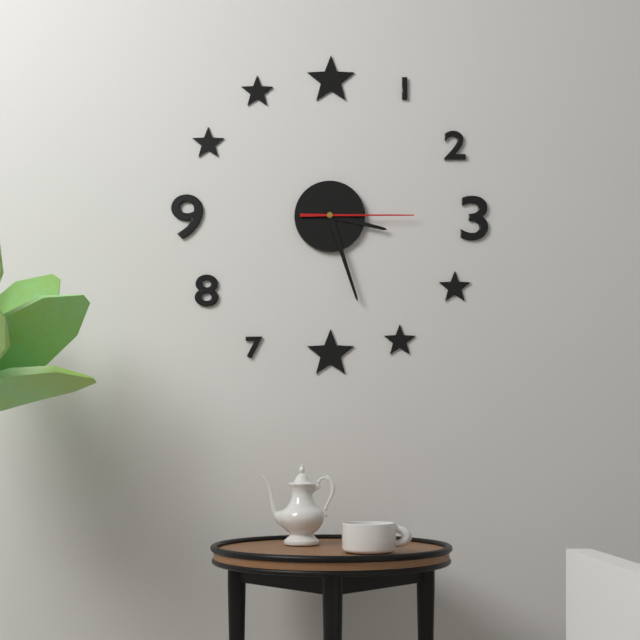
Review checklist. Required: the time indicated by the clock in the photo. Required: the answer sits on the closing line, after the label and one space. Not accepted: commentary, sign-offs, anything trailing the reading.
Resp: 3:27:15
